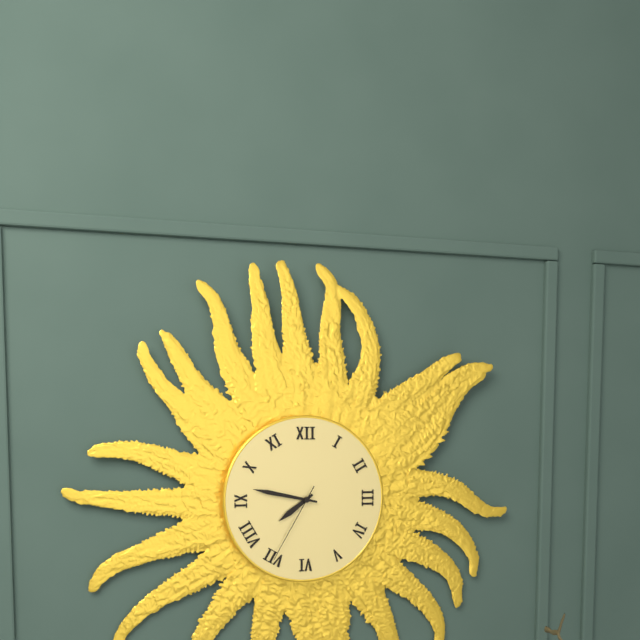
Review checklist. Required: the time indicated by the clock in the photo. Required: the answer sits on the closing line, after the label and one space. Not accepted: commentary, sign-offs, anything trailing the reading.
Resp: 7:47:35
